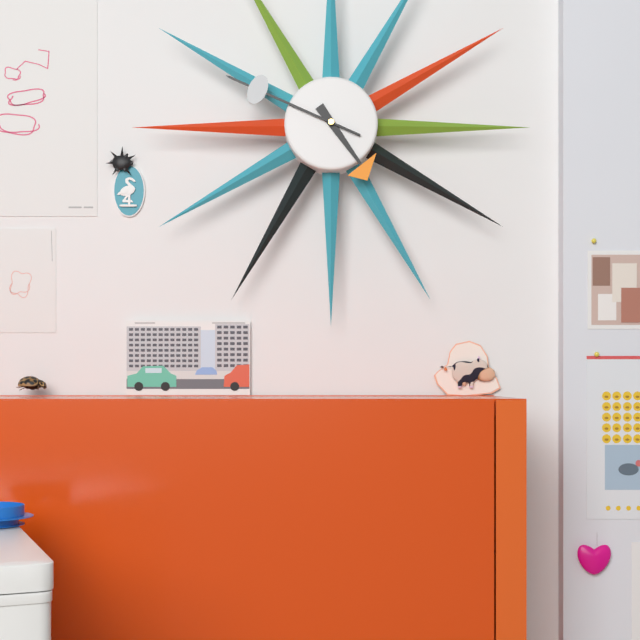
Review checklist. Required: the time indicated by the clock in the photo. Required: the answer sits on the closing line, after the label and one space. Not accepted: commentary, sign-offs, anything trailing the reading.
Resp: 4:49
